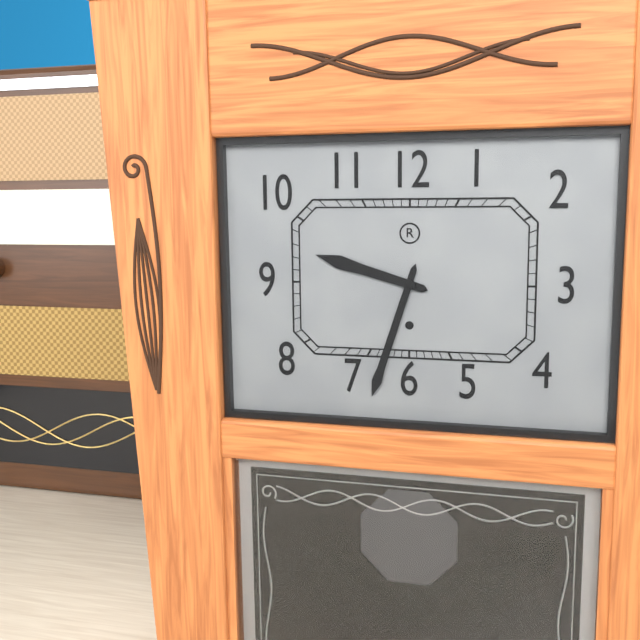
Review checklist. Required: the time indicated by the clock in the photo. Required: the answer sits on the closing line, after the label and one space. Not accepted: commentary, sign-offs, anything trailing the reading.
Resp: 9:33
